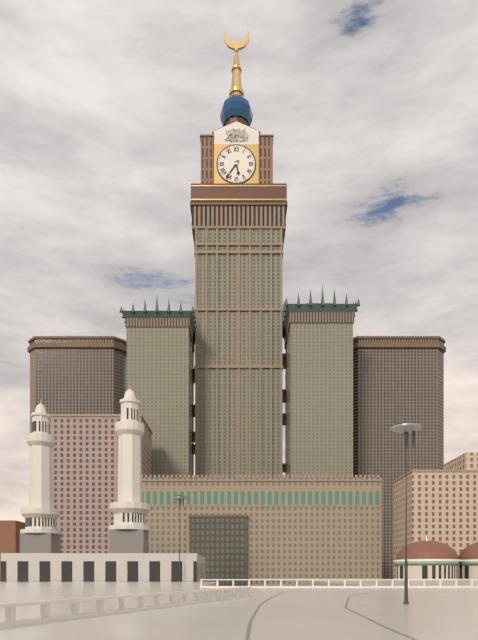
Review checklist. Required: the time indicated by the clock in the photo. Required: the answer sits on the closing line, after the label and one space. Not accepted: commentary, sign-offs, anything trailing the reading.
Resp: 5:36
